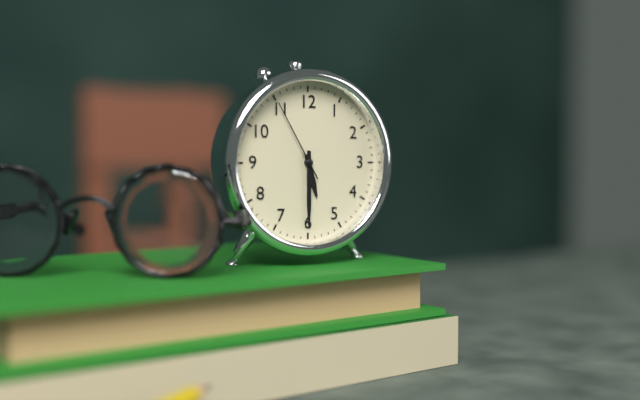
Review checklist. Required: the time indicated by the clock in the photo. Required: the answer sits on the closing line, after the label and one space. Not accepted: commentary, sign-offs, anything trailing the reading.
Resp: 5:30:55
